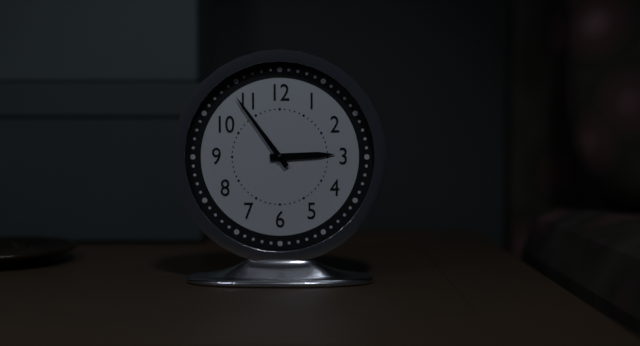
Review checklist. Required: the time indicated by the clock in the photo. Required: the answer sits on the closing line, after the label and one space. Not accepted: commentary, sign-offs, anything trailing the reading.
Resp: 2:54
